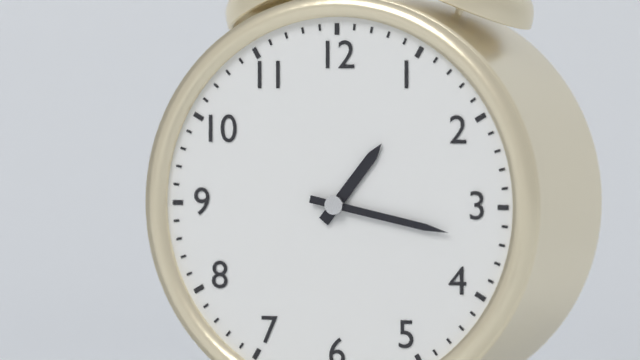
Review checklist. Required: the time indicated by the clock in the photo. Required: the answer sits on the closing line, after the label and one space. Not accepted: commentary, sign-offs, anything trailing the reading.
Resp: 1:17
